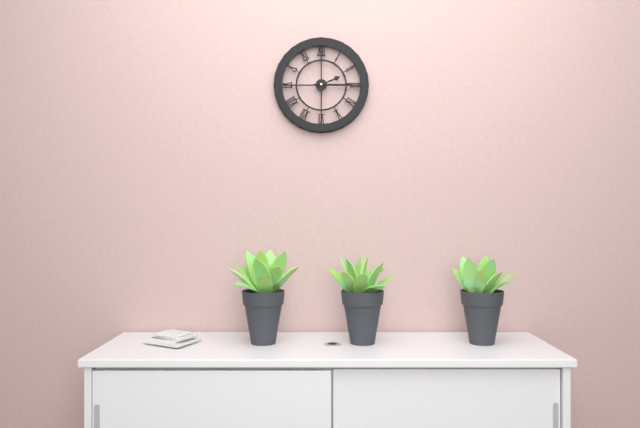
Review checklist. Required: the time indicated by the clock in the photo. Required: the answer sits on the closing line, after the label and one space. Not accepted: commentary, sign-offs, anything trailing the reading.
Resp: 2:15
